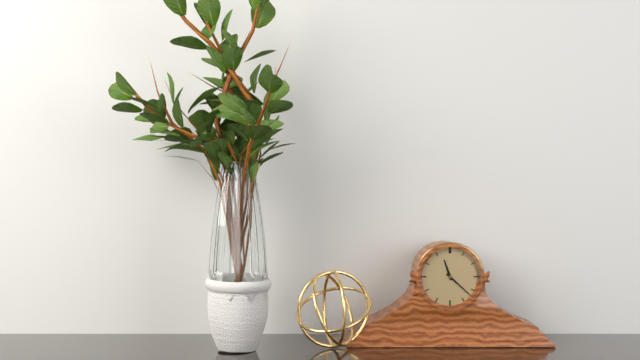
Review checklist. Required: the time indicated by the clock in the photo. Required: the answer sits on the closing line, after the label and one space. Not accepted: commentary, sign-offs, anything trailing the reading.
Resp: 11:22
